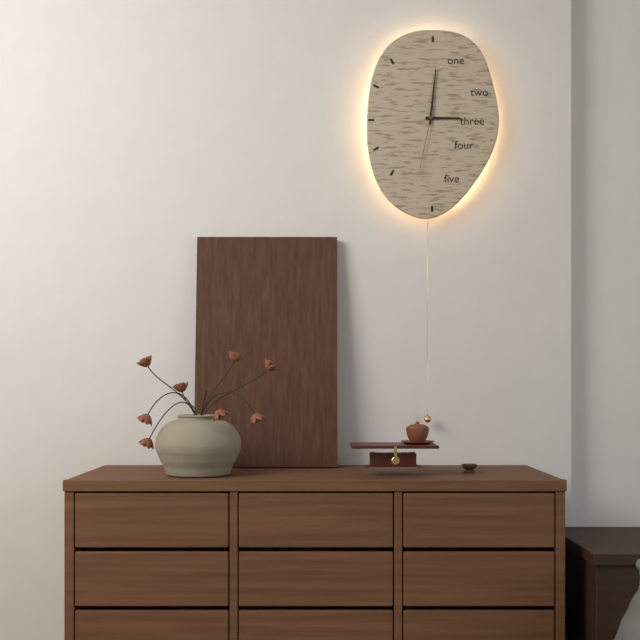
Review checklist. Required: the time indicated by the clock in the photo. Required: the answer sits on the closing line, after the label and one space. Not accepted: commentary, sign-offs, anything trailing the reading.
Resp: 3:01:32
